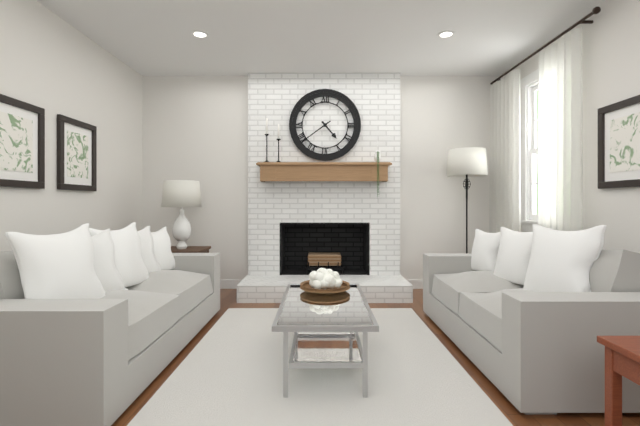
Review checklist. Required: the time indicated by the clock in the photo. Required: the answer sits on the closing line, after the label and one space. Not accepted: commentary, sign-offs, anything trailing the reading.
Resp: 4:39
